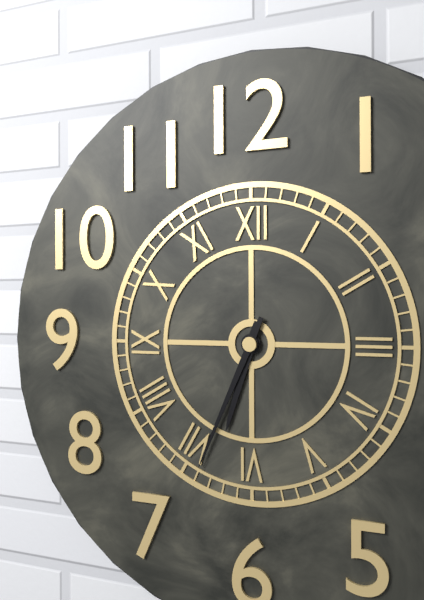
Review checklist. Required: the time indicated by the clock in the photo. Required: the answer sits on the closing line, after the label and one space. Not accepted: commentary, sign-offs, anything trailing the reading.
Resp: 6:34
